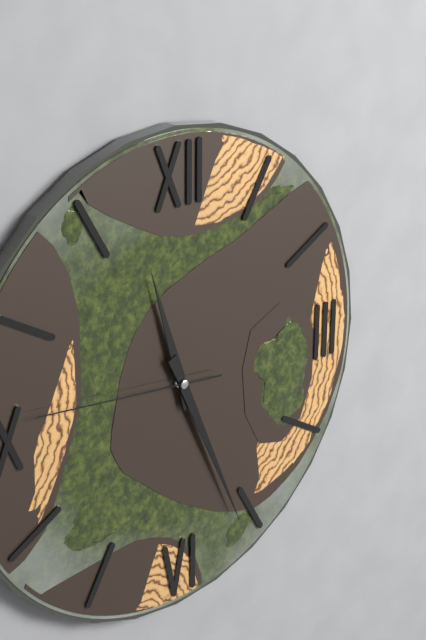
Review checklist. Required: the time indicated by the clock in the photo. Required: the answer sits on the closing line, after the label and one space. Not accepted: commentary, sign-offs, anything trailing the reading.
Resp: 11:26:46
